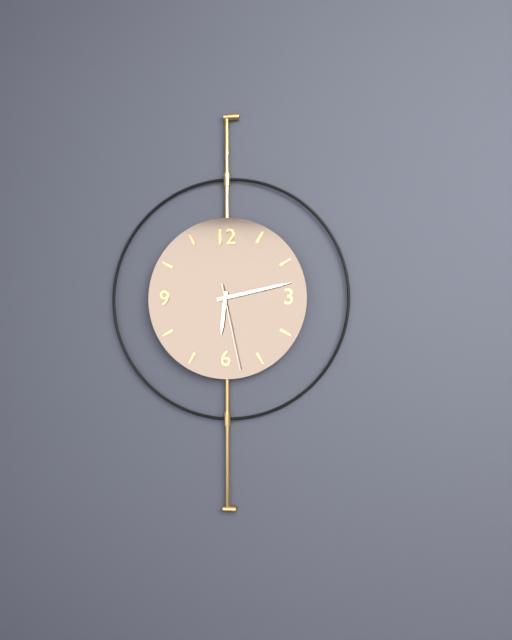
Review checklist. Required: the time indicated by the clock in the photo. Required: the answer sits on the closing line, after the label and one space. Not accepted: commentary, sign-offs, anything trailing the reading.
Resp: 6:13:28
